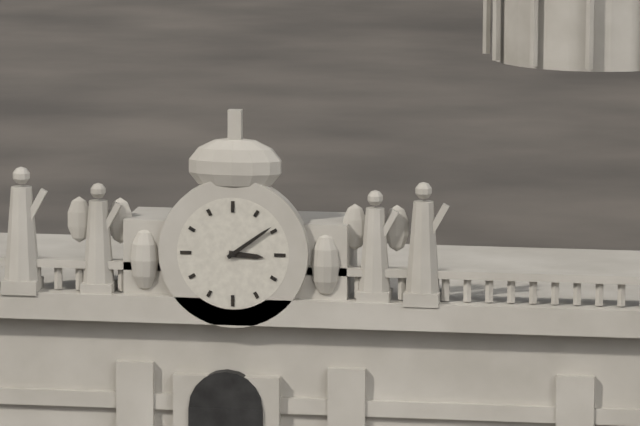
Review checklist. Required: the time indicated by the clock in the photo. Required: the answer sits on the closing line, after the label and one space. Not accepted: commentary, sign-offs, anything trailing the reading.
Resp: 3:09
